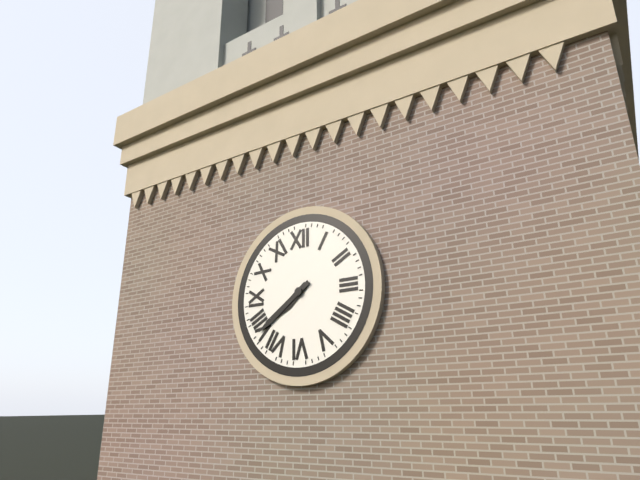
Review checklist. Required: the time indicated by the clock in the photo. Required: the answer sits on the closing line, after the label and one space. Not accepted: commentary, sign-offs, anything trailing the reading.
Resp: 7:39
